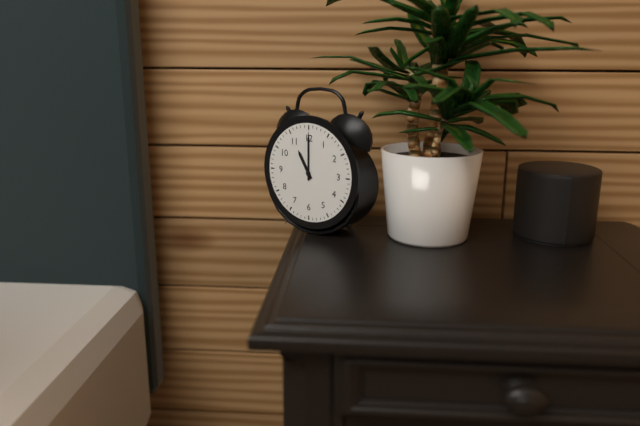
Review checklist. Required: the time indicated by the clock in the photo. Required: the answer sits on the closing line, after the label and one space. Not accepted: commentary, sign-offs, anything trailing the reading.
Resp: 11:00
